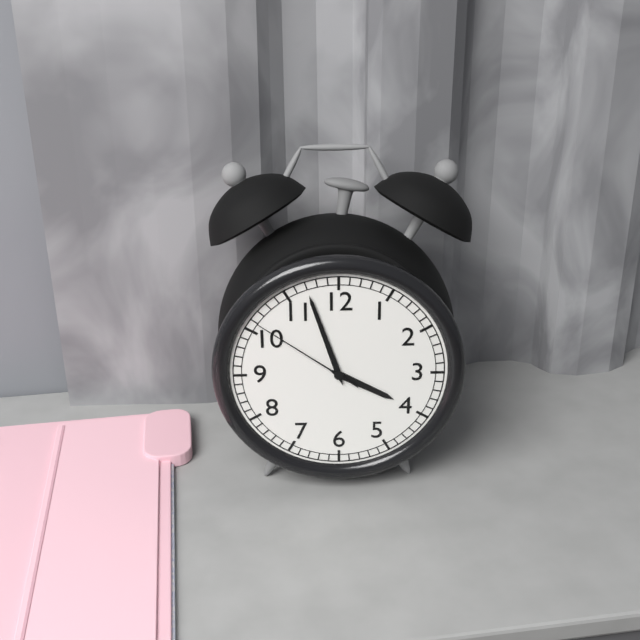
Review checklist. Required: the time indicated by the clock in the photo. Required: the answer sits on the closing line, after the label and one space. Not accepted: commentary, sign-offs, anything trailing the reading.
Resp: 3:57:51
